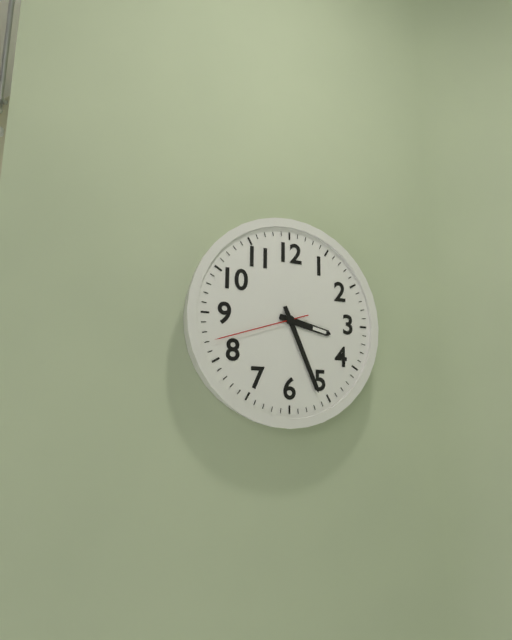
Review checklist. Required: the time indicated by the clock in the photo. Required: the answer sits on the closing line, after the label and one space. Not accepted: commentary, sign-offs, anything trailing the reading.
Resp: 3:26:42
